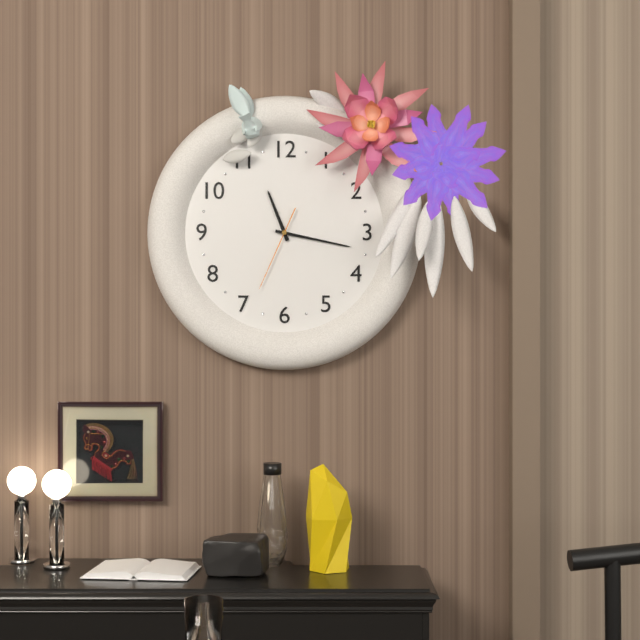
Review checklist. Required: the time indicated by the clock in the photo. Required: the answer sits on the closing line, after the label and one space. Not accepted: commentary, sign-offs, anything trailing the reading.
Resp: 11:17:34
